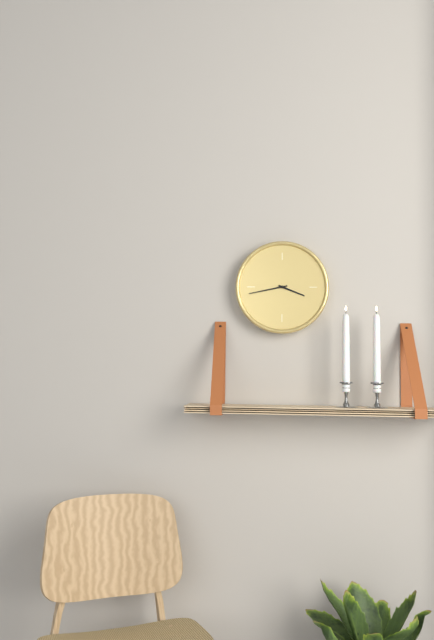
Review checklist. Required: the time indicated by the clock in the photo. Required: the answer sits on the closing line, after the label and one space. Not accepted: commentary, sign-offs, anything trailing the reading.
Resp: 3:43
